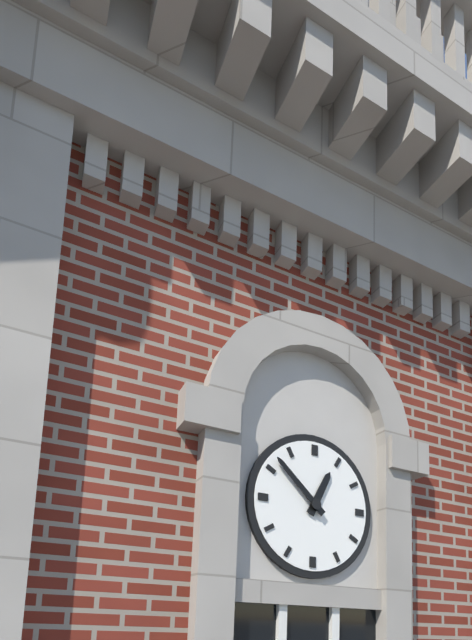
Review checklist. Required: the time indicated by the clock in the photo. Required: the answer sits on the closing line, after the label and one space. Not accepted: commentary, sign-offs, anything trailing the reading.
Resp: 12:52
